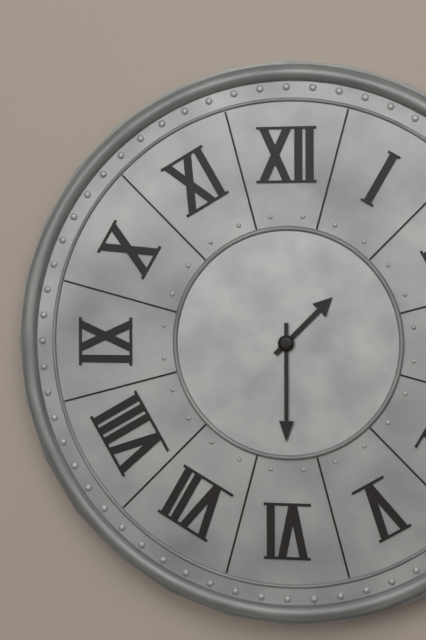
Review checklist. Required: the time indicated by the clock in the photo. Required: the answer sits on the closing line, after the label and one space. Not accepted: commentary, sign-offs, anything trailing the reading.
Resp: 1:30
